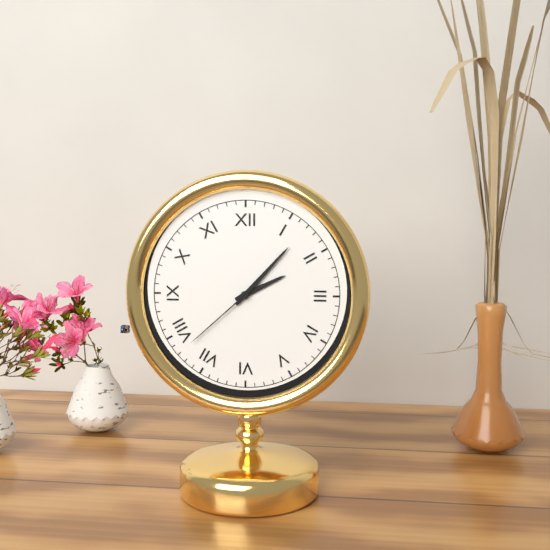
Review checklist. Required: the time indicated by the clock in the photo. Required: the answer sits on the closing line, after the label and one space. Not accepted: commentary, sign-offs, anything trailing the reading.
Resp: 2:07:38
